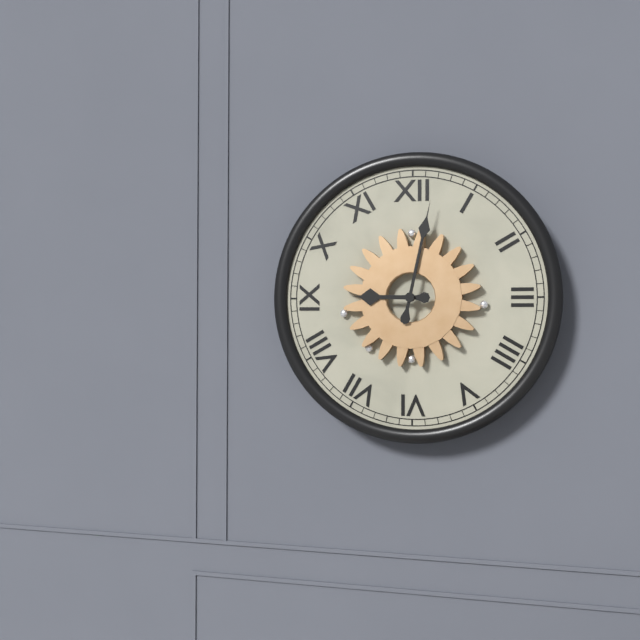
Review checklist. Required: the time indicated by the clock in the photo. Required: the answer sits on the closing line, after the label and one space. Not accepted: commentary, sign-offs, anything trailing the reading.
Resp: 9:02
